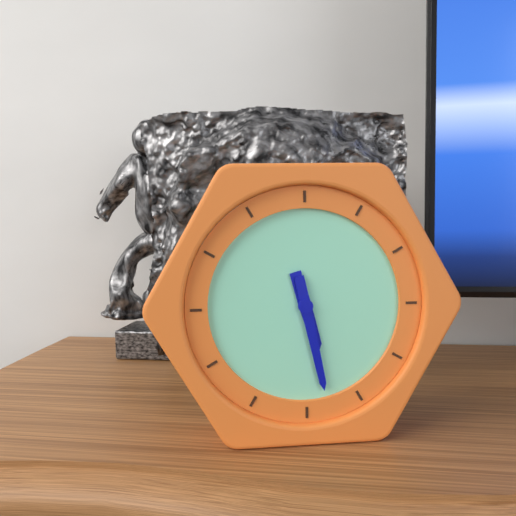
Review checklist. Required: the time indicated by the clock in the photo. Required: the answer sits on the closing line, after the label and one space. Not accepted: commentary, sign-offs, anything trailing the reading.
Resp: 5:28
